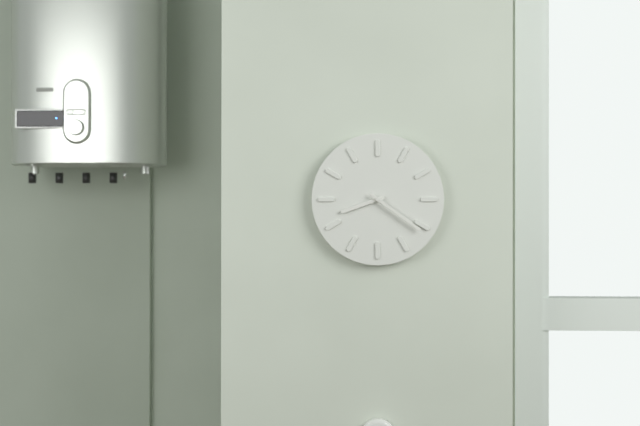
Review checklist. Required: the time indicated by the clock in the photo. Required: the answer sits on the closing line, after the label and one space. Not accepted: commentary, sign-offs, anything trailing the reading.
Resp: 8:21
